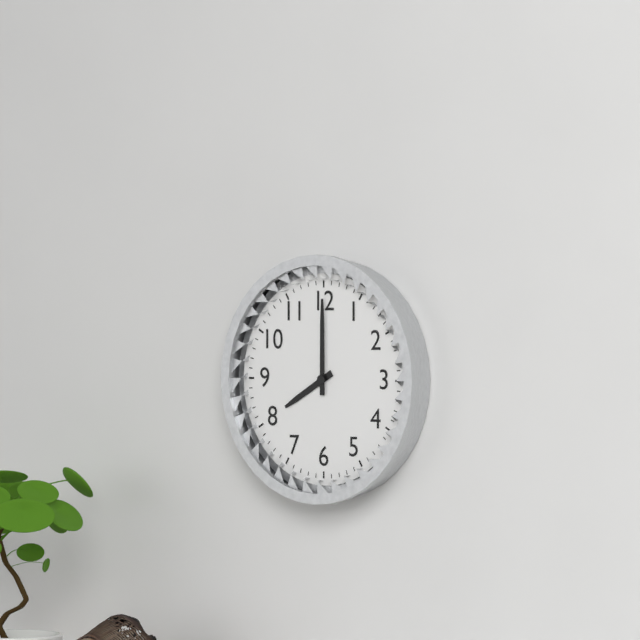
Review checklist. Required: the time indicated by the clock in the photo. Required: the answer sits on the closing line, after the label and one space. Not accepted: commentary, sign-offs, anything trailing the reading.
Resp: 8:00
